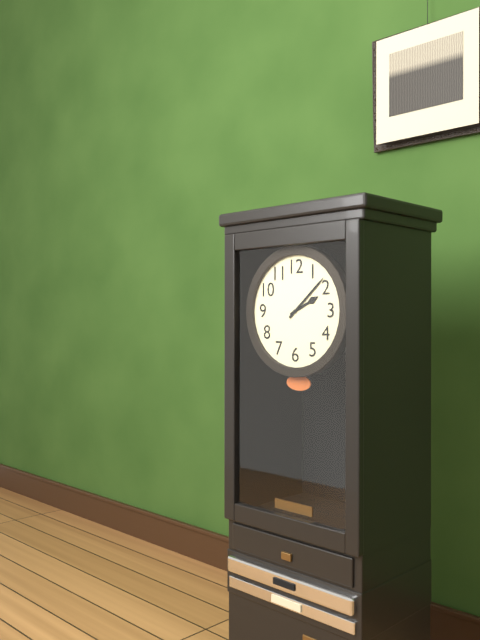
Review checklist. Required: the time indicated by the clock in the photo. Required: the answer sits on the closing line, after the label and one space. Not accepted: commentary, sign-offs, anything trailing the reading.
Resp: 2:08
